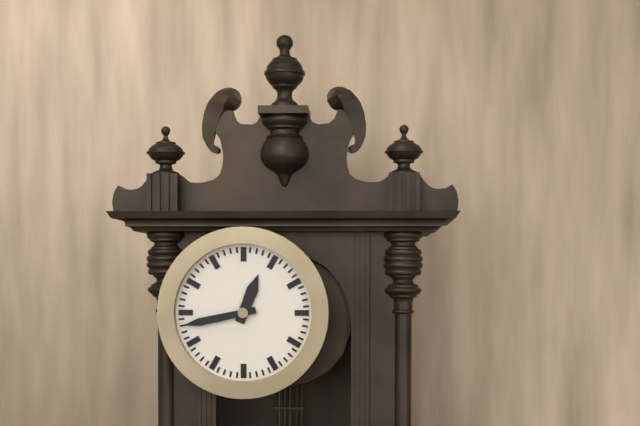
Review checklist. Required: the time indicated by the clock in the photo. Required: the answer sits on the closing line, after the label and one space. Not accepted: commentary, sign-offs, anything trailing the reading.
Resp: 12:43
